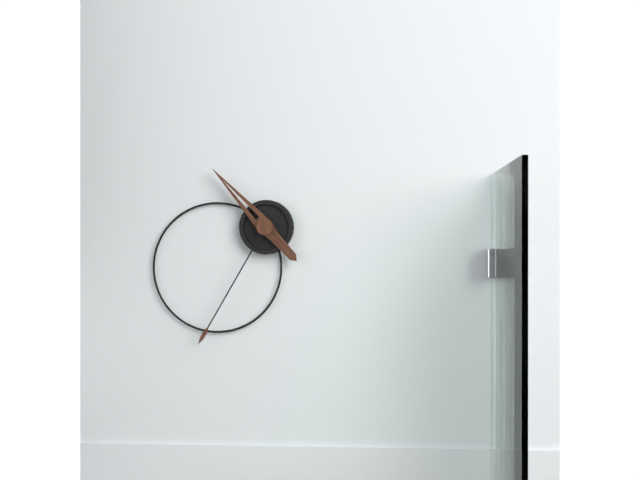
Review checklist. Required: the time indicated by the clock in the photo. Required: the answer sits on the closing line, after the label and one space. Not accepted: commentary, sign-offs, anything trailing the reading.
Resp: 10:35
